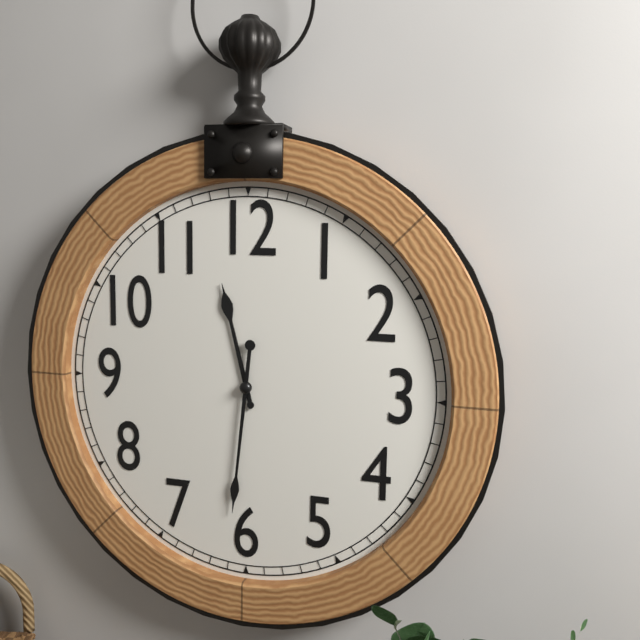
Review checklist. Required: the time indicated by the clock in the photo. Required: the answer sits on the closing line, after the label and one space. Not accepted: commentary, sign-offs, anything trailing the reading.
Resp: 11:31
